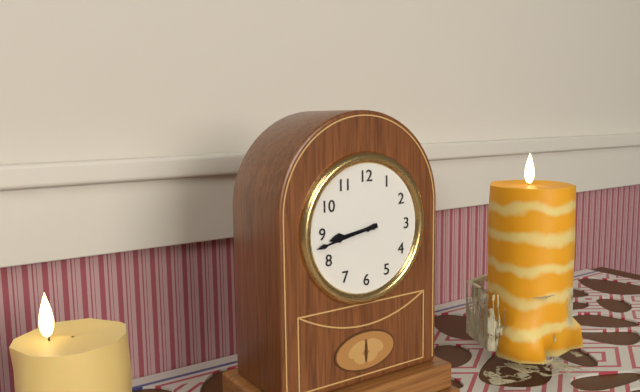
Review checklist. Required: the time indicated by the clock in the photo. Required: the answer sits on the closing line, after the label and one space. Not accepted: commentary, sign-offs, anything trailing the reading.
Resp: 8:43
